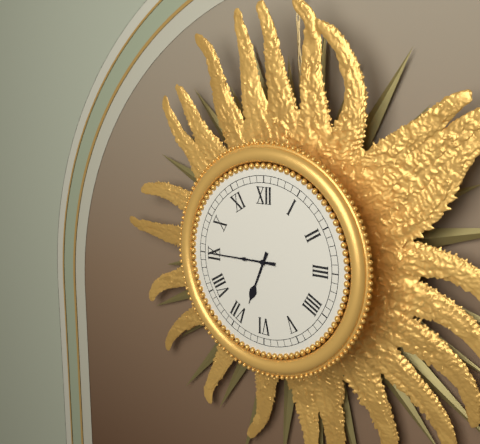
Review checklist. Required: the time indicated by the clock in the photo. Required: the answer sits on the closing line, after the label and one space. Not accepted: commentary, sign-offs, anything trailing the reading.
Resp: 6:45
